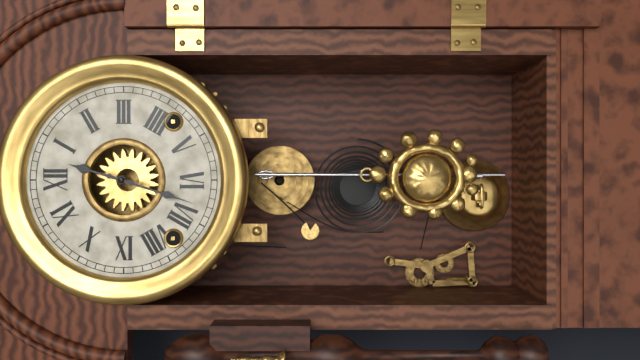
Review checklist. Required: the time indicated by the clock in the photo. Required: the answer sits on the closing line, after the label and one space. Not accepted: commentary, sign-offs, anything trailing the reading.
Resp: 12:33
